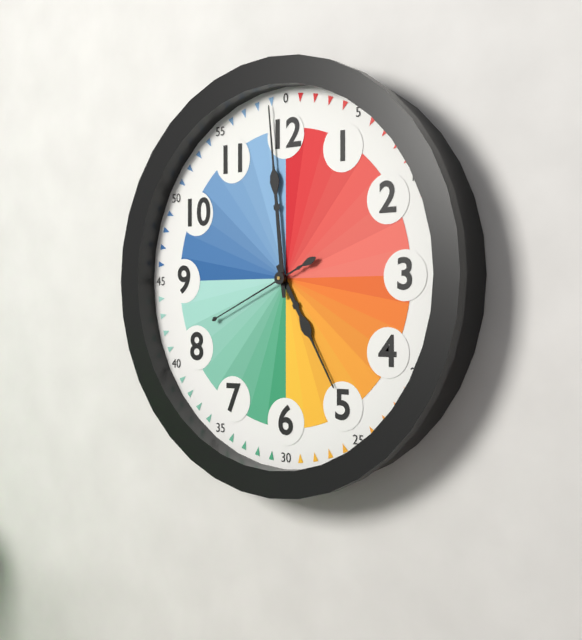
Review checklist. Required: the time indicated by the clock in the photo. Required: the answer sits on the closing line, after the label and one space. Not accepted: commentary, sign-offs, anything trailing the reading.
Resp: 4:59:41
